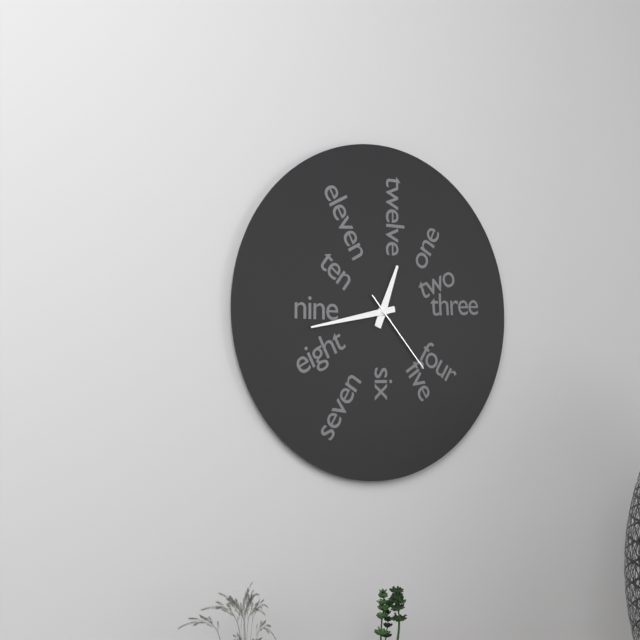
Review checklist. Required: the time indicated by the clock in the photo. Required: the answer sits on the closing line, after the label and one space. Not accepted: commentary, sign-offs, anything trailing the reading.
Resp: 12:43:23
